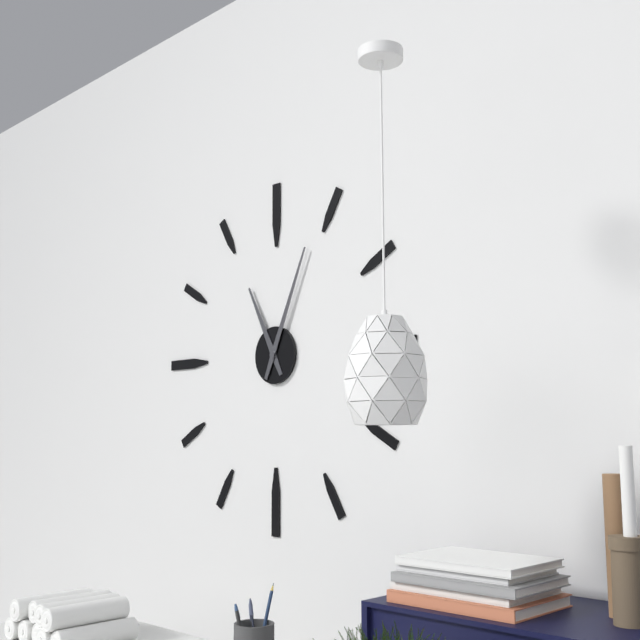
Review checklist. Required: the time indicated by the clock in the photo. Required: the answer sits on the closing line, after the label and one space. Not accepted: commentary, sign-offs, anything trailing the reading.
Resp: 11:04
